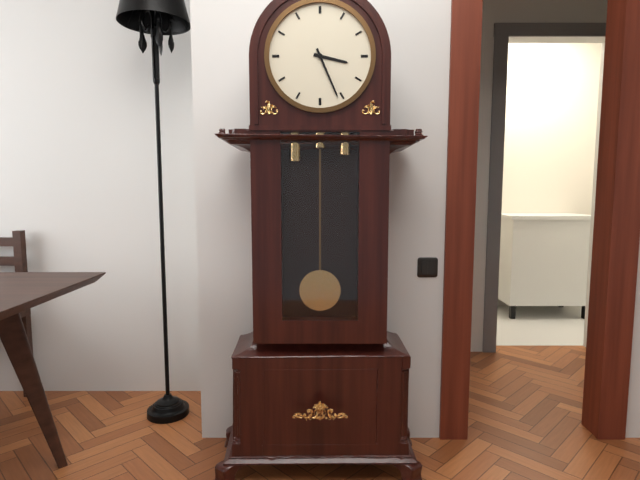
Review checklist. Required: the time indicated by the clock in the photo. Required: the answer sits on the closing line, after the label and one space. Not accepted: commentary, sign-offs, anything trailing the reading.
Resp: 3:26
